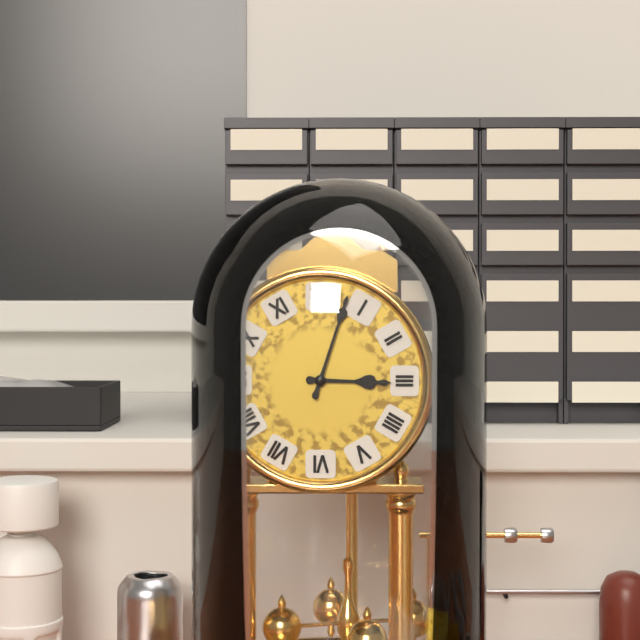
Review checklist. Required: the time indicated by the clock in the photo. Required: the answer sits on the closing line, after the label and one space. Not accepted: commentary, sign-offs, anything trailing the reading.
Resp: 3:03
